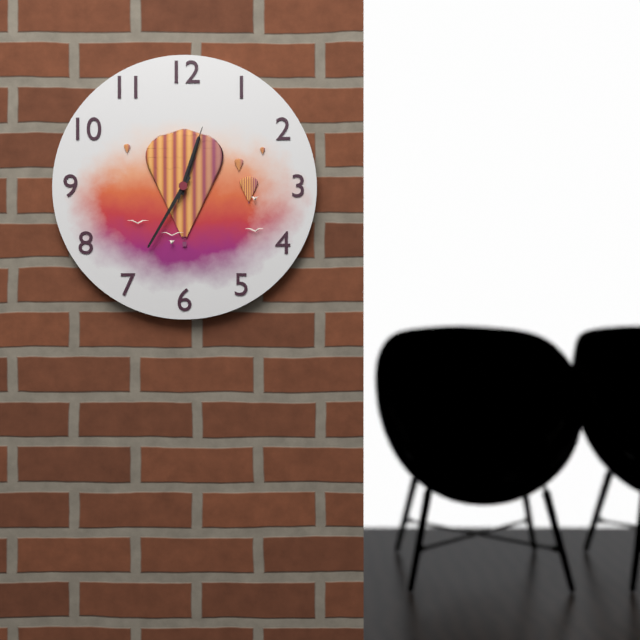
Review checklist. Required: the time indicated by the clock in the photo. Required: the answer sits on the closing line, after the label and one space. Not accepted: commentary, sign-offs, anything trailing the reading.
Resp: 12:35:03
